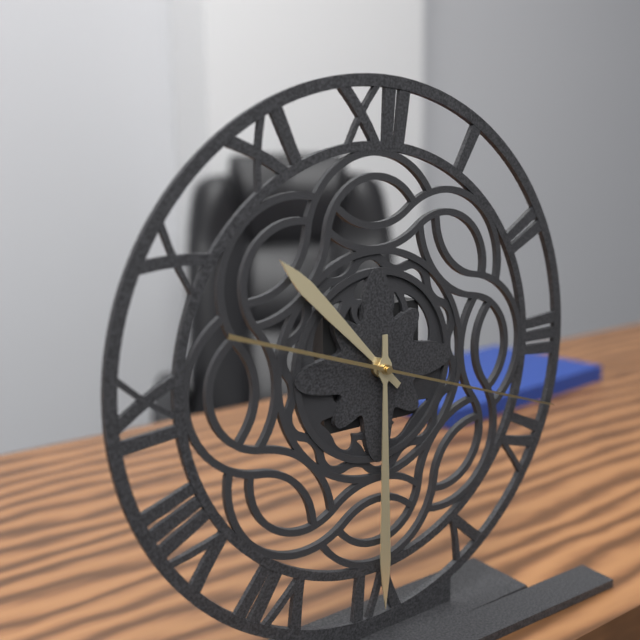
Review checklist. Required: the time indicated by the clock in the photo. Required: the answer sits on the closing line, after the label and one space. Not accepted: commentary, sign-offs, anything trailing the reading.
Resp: 10:30:18
